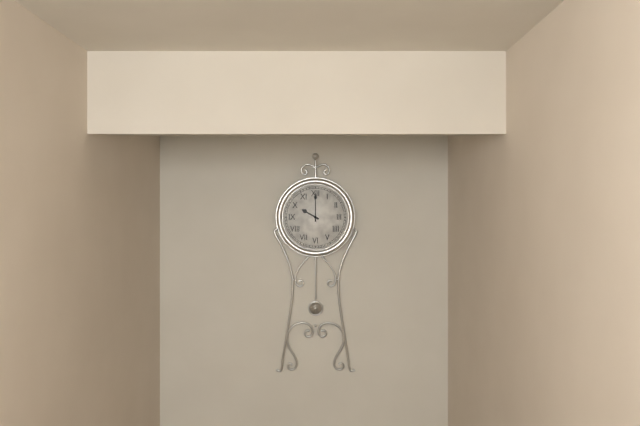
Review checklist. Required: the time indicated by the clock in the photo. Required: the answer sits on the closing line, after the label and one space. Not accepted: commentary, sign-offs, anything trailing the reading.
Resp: 10:00
